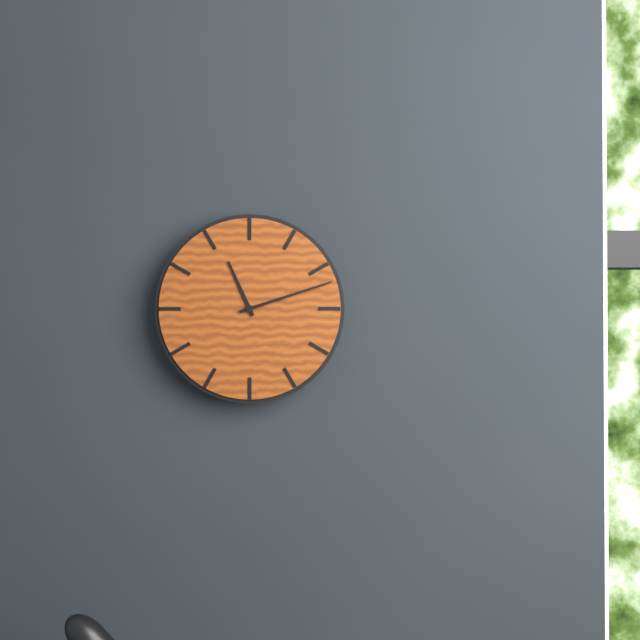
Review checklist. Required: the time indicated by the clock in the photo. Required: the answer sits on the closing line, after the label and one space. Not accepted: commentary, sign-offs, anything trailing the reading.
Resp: 11:12
